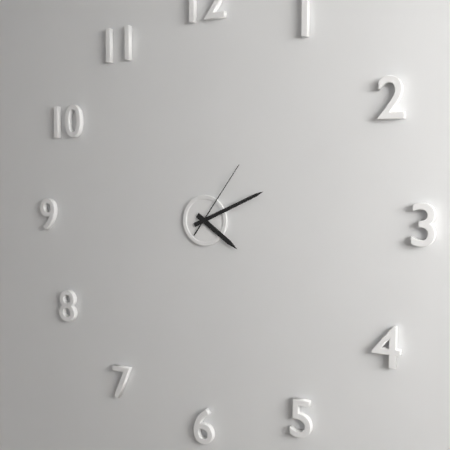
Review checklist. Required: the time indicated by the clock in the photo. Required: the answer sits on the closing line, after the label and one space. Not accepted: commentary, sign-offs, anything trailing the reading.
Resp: 4:11:06
